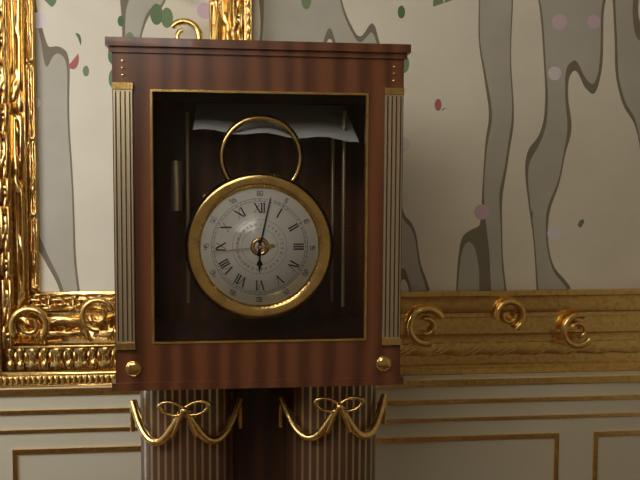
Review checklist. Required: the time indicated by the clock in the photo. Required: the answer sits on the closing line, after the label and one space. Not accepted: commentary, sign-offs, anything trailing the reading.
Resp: 6:02:44
